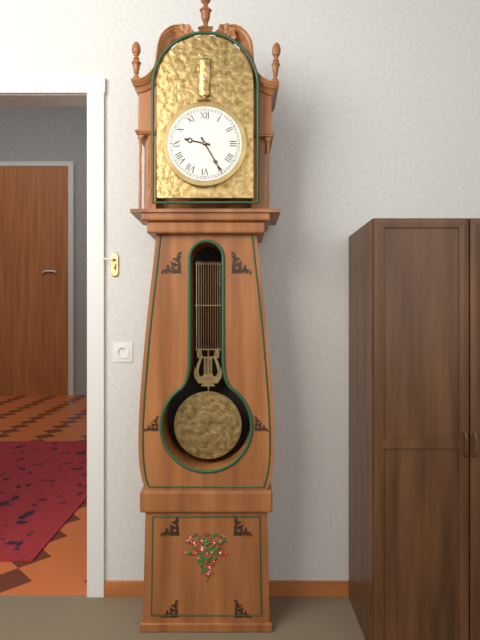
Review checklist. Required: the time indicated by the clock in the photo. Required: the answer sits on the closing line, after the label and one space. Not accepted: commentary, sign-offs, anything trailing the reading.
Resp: 9:25
